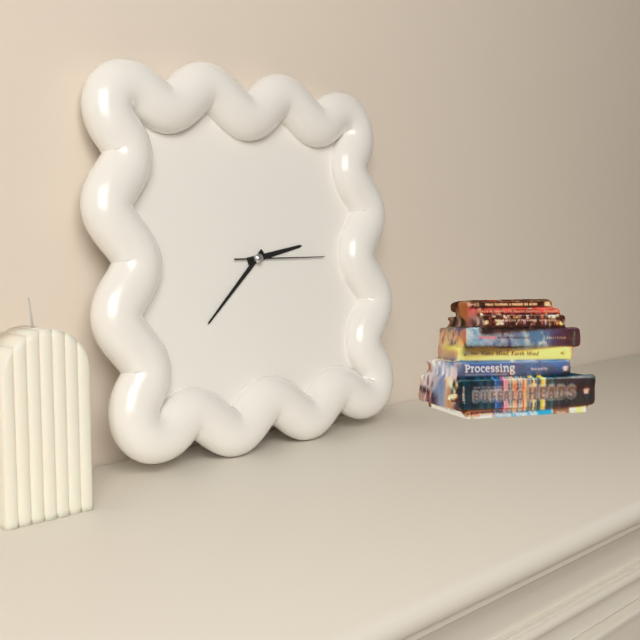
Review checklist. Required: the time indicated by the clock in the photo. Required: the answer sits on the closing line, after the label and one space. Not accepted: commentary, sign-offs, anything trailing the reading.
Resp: 2:38:15
